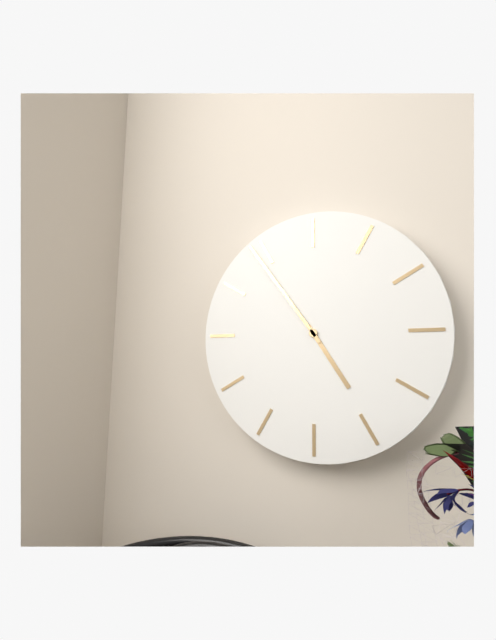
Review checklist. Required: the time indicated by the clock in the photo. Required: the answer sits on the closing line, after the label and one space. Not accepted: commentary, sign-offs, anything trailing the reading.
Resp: 4:54
